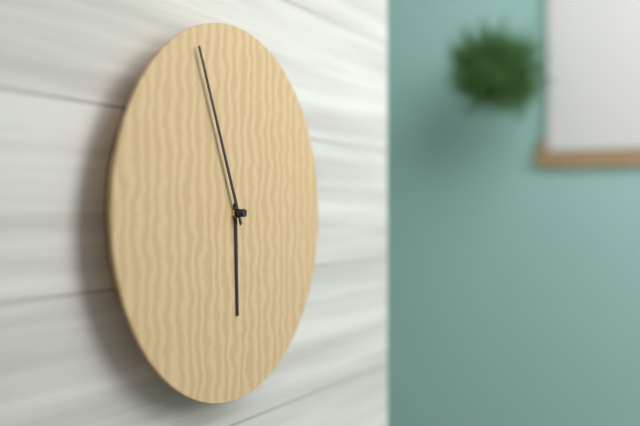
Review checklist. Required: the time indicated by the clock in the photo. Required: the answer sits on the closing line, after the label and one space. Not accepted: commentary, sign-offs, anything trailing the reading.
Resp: 5:56
